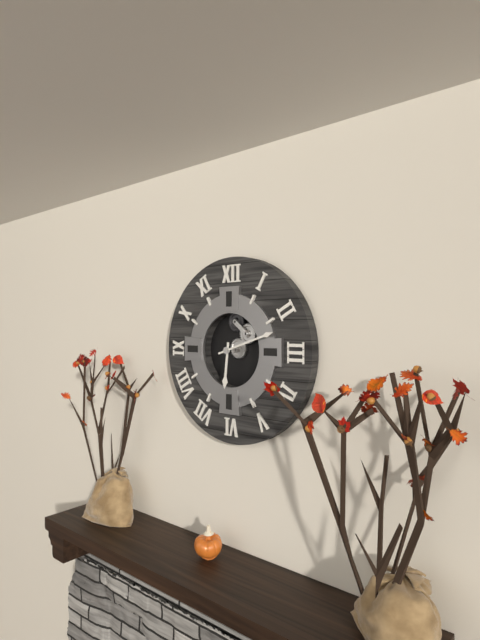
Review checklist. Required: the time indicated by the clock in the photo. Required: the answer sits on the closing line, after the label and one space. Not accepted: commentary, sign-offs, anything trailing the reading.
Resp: 6:12
